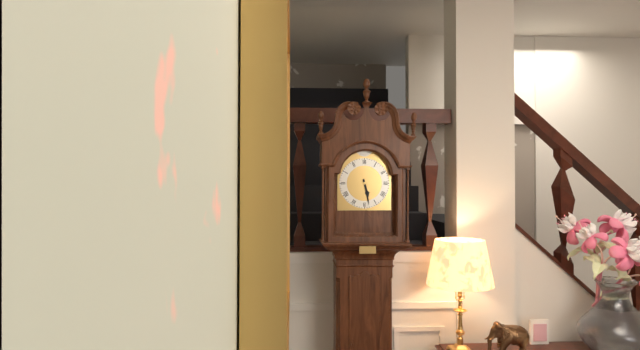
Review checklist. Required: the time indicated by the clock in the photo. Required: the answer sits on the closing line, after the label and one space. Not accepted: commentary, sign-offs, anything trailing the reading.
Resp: 5:28
